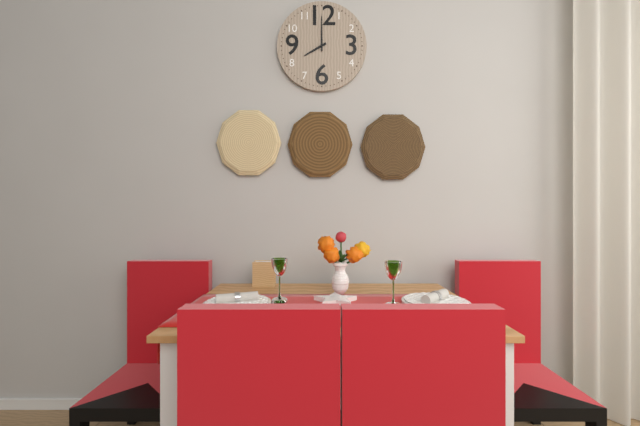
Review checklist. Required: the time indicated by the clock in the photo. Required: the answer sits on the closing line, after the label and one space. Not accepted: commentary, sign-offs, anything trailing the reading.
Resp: 8:00
